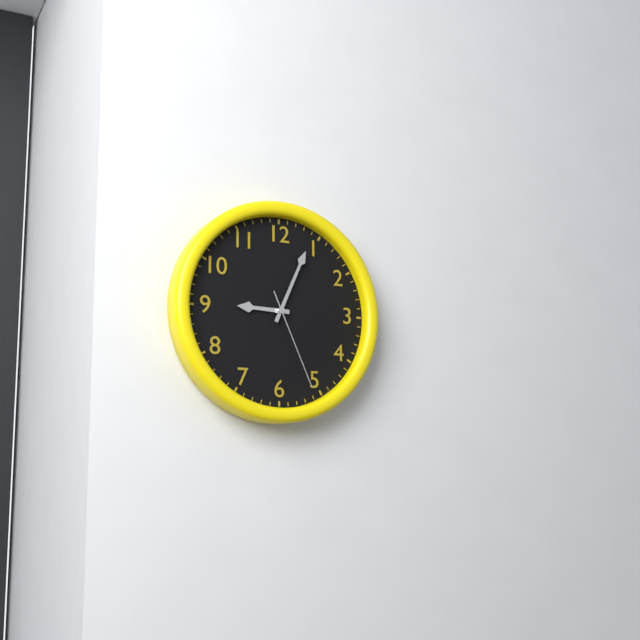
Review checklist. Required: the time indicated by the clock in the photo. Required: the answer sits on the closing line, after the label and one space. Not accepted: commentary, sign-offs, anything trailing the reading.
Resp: 9:04:26
